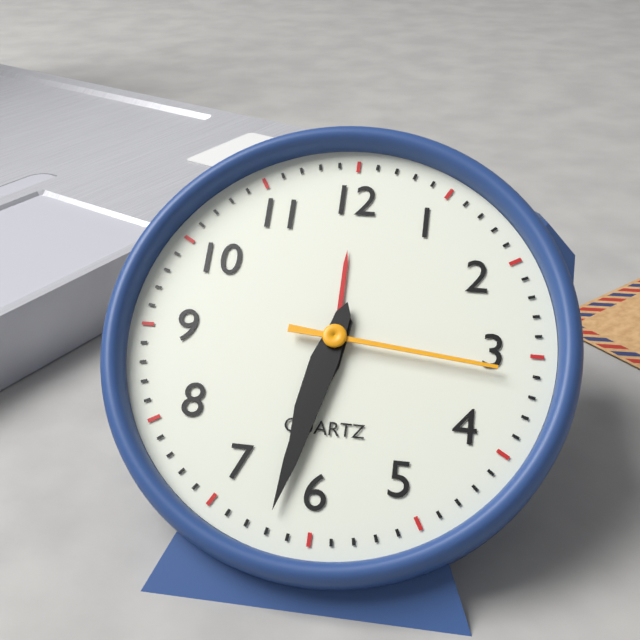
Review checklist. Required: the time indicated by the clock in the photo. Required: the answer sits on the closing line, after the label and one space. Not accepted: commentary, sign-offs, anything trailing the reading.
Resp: 6:32:16
